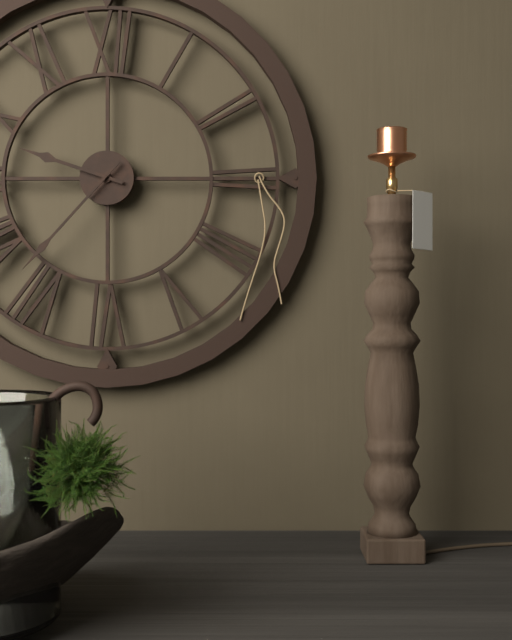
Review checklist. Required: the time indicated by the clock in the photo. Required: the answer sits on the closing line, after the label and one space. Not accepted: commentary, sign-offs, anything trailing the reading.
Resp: 9:37
